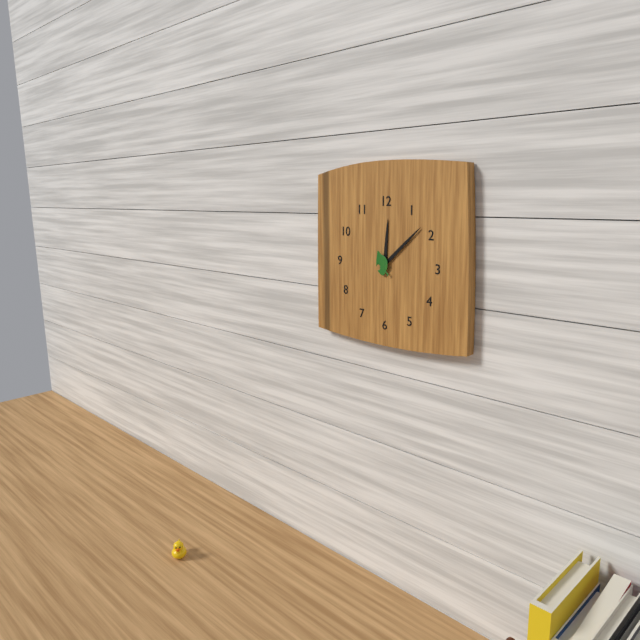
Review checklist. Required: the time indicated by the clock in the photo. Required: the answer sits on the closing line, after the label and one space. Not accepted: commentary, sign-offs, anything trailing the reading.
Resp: 12:08
